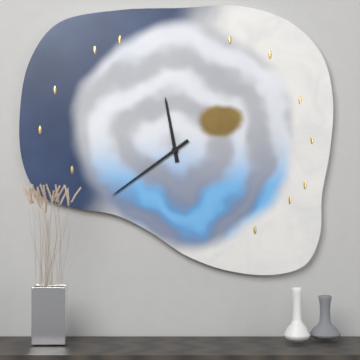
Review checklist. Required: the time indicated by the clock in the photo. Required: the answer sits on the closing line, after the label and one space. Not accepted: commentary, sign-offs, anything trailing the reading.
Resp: 11:39
